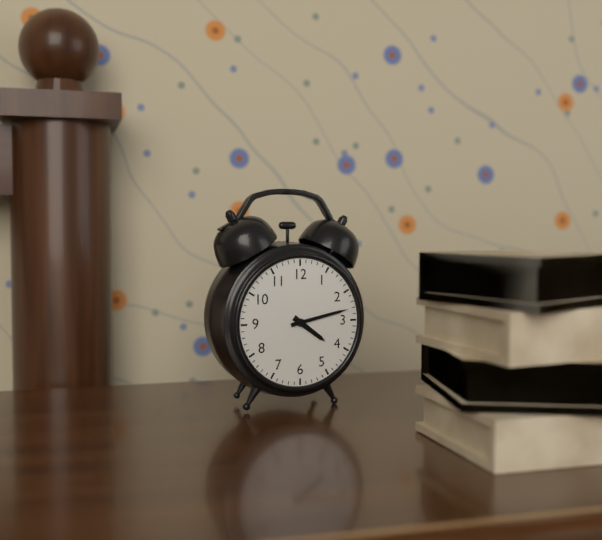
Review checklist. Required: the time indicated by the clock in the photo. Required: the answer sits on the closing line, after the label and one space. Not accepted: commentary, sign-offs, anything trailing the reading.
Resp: 4:13
